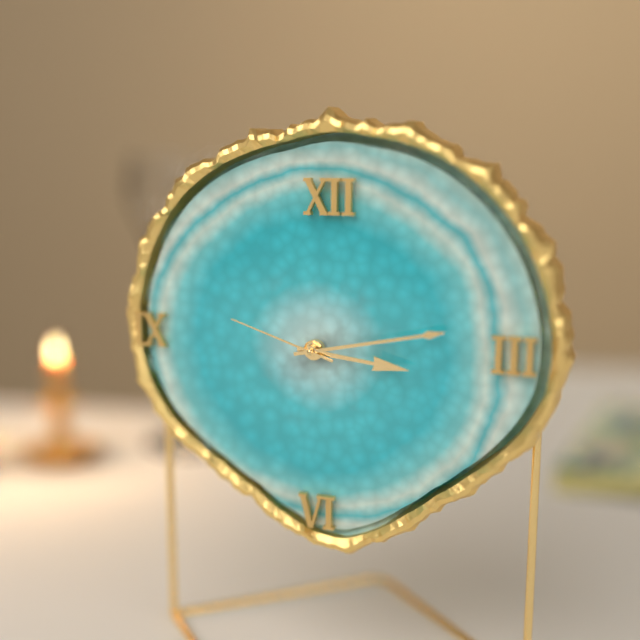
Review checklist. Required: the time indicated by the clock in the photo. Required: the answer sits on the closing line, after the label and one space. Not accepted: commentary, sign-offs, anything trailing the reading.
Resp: 3:13:48
